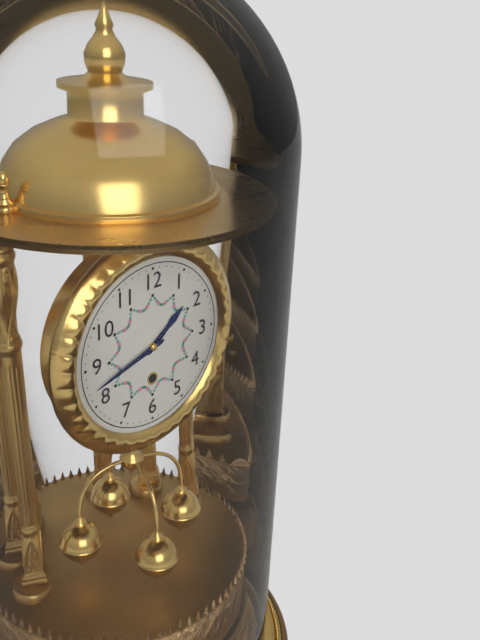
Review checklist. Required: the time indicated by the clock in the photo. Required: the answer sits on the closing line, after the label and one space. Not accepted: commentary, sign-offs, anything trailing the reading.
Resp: 1:42
